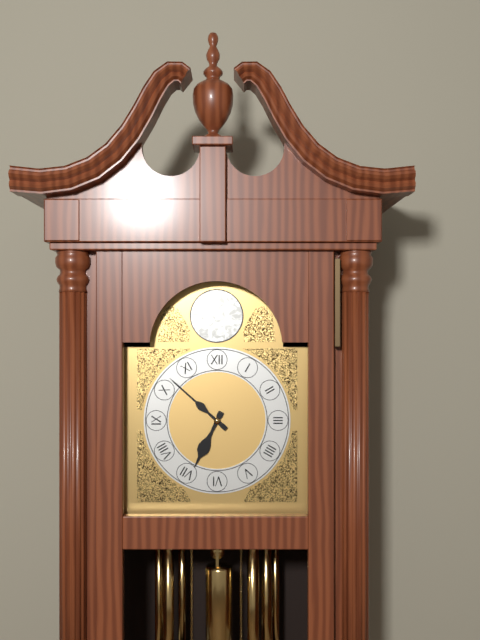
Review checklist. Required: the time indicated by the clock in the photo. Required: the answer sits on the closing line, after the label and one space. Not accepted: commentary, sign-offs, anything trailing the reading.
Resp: 6:52
